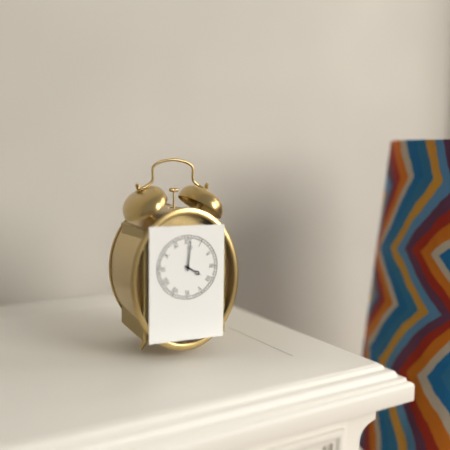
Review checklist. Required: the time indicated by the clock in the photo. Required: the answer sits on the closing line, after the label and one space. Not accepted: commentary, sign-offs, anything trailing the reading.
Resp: 4:01
